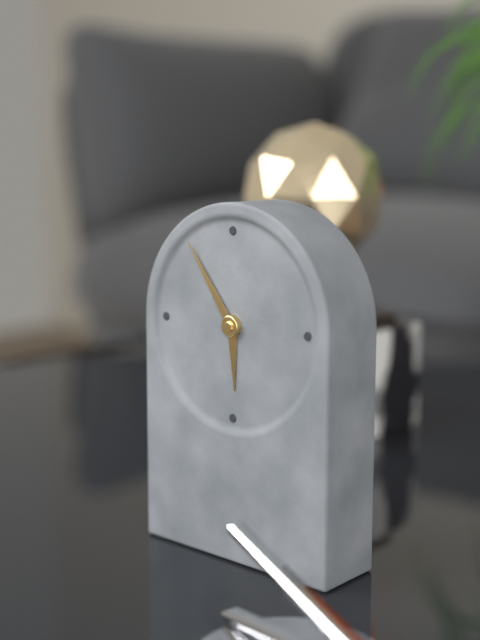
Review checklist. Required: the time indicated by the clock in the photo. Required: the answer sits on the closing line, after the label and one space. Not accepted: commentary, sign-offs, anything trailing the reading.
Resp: 5:54
